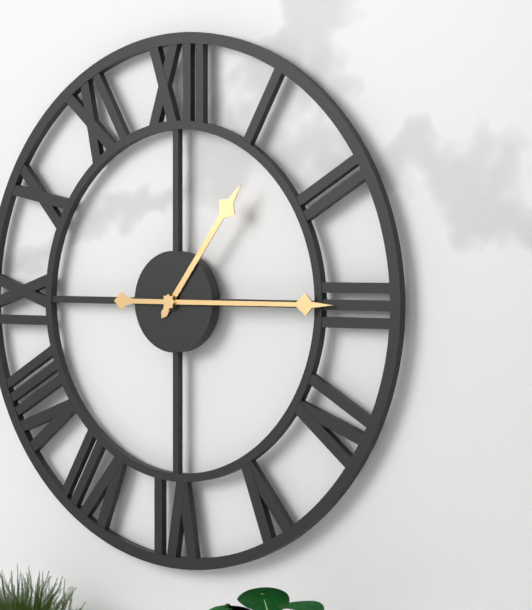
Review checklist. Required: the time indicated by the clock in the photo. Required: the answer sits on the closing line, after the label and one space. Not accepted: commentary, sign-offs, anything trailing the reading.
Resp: 1:15
